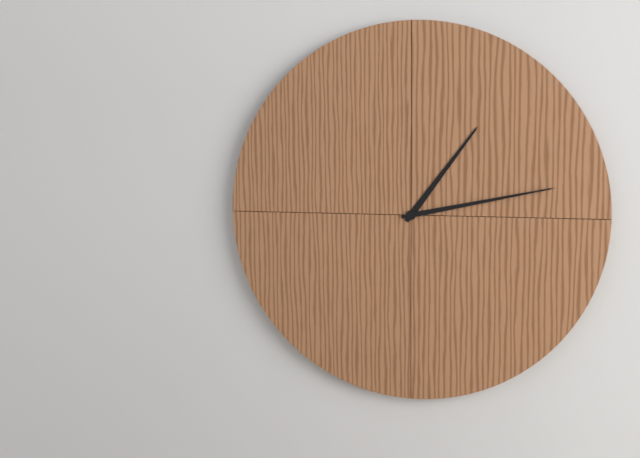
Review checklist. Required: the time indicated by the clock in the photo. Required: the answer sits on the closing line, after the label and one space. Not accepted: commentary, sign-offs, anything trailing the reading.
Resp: 1:13
